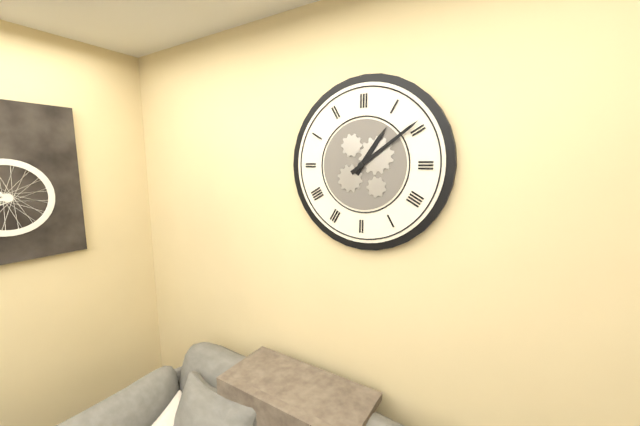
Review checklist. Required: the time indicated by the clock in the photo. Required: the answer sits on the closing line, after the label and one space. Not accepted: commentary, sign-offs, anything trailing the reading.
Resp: 1:09
